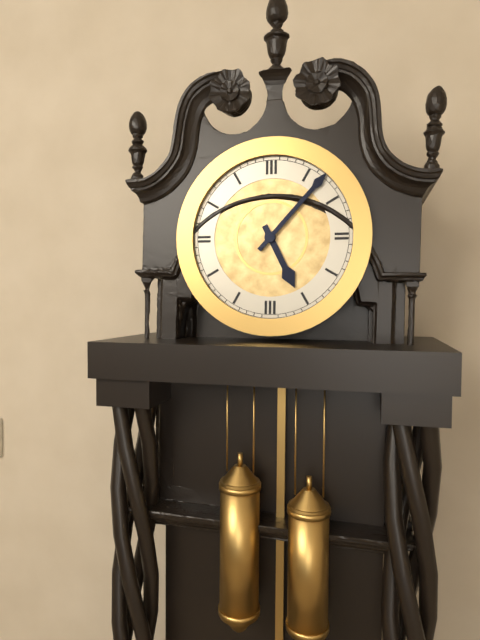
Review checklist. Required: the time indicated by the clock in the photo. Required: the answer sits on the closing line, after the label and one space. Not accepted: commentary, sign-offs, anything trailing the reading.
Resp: 5:07
